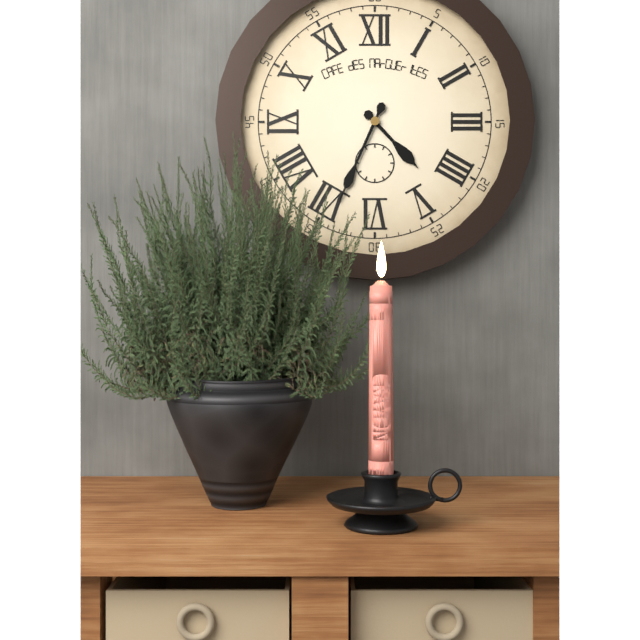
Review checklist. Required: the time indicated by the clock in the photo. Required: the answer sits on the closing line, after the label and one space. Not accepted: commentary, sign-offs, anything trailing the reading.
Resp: 4:34
